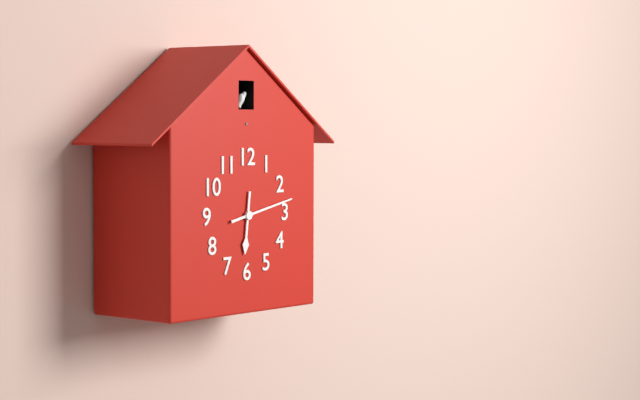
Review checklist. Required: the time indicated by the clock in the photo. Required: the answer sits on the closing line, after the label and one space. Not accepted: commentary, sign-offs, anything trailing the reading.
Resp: 6:13
